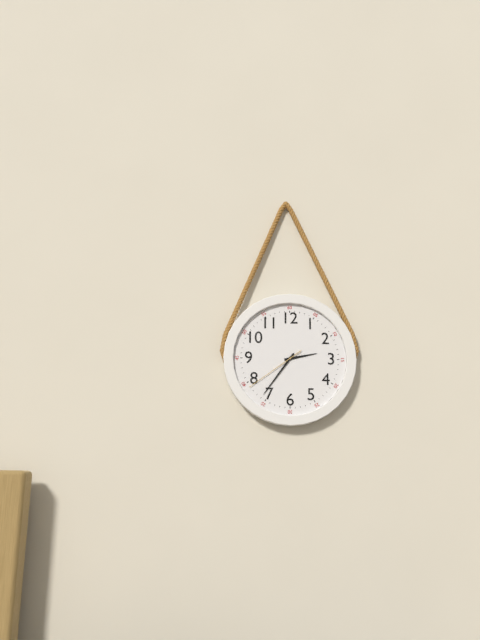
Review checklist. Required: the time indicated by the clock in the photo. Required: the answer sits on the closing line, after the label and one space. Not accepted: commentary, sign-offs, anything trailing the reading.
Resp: 2:36:39
